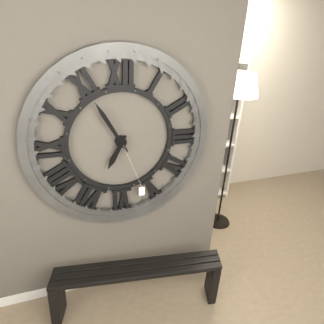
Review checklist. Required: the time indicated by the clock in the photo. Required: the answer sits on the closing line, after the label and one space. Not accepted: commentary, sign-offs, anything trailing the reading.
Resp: 6:55
